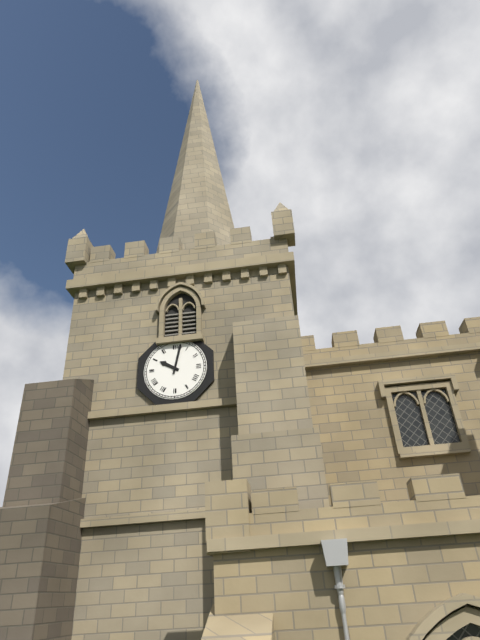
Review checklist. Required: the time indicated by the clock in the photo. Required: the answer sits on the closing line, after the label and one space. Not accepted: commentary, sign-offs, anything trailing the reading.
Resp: 10:02
